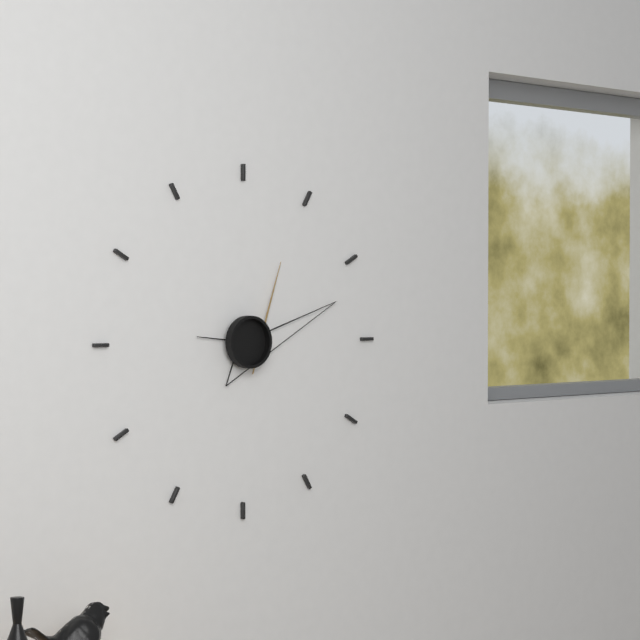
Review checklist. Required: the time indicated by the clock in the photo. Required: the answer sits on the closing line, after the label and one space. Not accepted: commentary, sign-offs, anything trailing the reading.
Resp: 9:12:05
